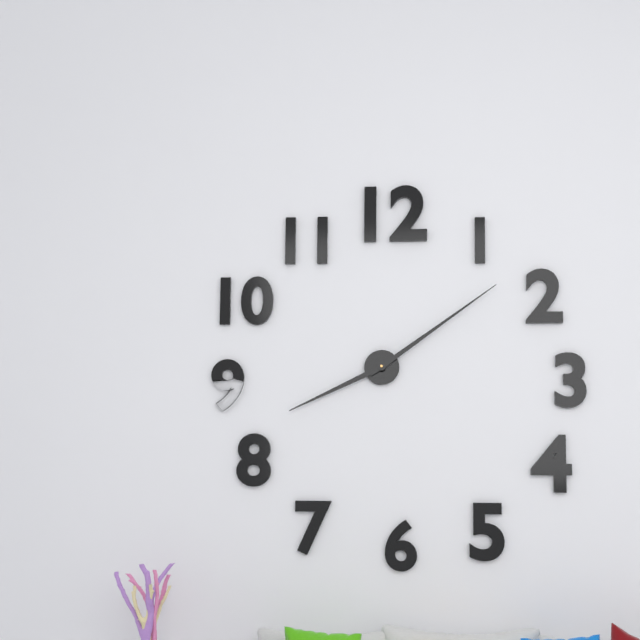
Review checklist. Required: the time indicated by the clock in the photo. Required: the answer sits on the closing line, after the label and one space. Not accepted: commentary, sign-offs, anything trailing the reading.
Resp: 8:09
